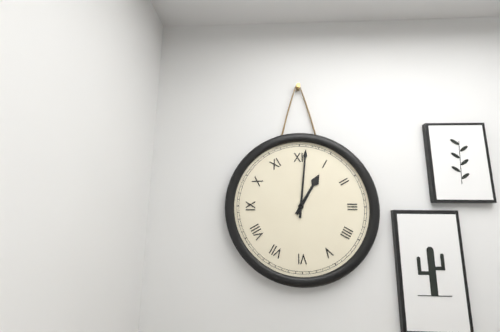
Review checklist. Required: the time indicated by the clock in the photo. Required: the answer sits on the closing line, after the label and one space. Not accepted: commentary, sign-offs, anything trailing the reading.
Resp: 1:01
